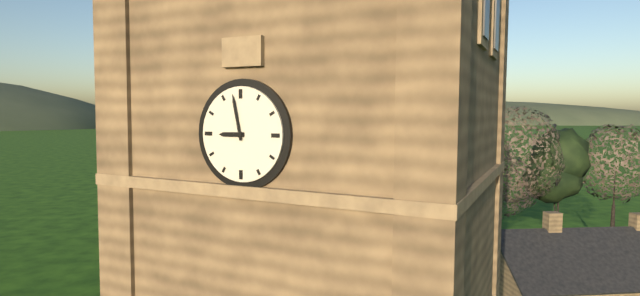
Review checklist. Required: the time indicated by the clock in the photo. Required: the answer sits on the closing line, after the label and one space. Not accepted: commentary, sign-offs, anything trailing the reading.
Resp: 8:58
